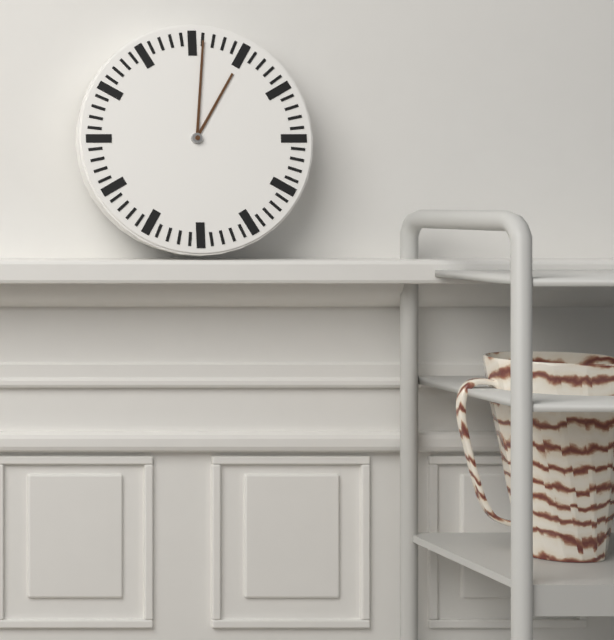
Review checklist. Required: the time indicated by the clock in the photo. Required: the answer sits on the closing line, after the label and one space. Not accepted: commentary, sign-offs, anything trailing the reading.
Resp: 1:01
